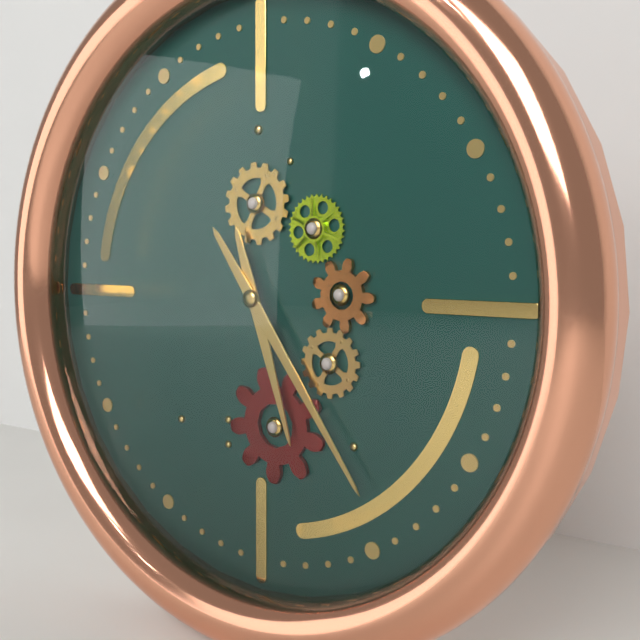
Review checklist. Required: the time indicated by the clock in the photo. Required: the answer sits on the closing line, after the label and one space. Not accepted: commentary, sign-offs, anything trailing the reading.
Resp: 5:24
